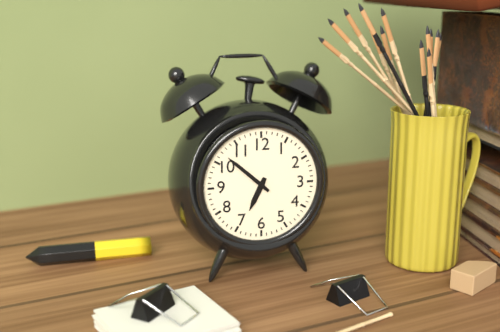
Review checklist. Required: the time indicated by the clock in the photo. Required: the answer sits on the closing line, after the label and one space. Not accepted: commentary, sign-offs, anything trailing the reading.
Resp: 6:52
